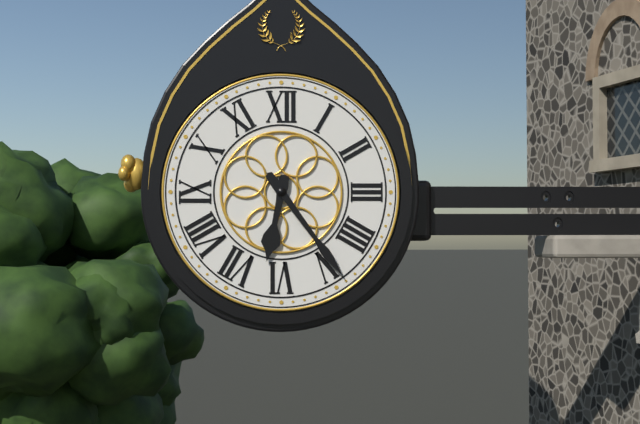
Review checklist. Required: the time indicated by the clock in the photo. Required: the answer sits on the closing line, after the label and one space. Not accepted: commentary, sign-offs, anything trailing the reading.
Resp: 6:24
